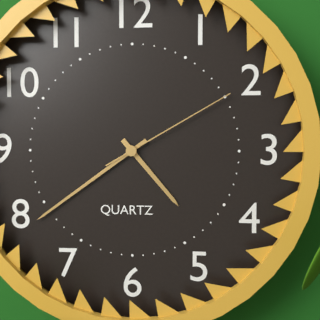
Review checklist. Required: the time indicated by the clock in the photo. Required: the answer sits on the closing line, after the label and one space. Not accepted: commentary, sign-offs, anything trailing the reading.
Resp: 4:39:10
